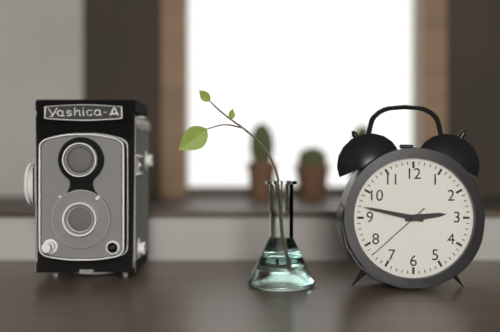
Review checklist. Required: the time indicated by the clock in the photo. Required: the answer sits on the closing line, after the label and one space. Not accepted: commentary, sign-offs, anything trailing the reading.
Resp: 2:47:38
